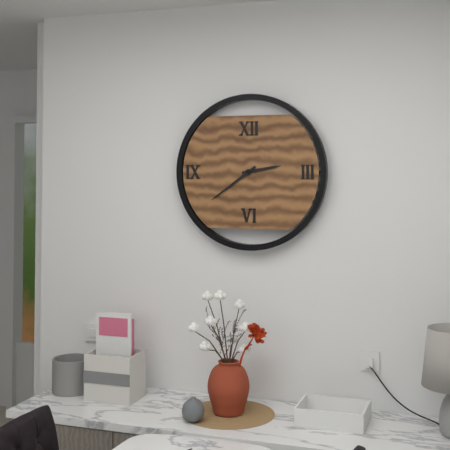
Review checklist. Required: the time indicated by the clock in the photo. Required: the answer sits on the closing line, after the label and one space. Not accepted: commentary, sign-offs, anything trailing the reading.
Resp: 2:39
